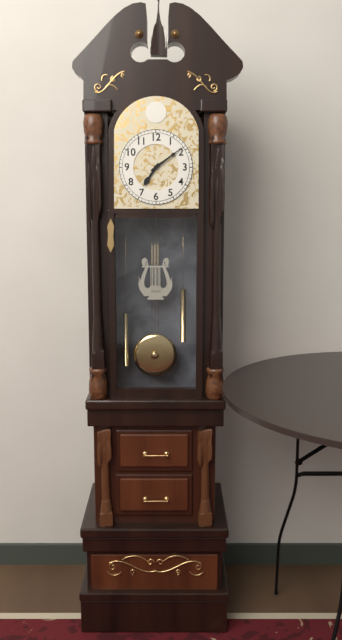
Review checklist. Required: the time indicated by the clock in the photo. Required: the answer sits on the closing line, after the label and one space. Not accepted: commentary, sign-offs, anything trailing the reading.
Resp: 7:09
